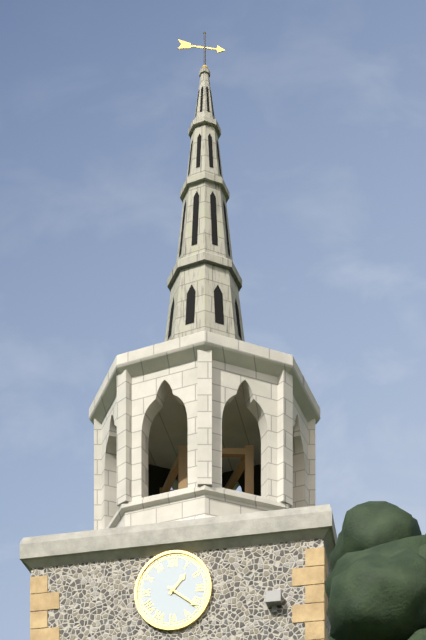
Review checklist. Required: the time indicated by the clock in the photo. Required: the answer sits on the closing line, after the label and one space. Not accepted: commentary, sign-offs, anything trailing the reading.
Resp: 1:21
